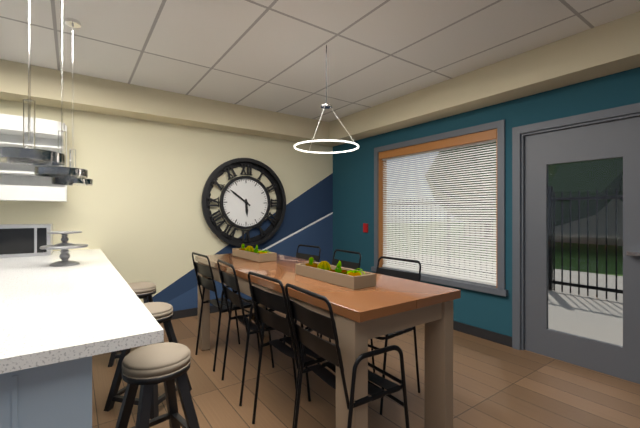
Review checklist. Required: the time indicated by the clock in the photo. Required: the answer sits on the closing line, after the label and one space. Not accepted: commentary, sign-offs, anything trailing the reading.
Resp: 5:51
